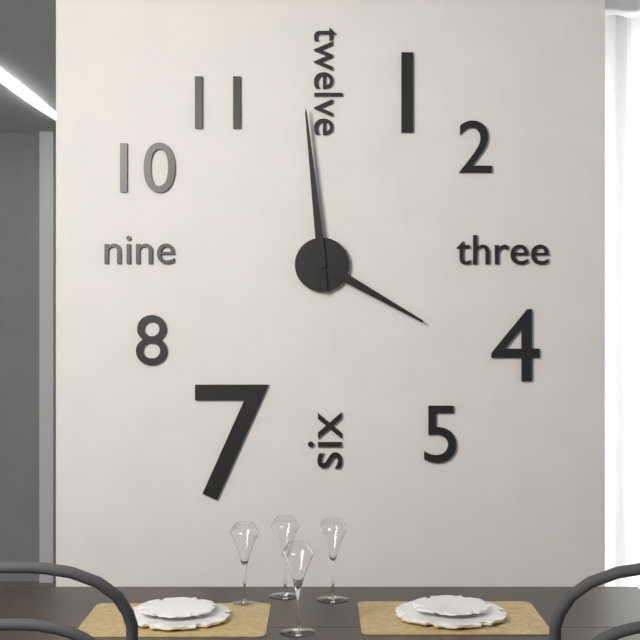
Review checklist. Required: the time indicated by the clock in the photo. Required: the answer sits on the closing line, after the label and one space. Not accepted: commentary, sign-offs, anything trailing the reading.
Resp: 3:59
